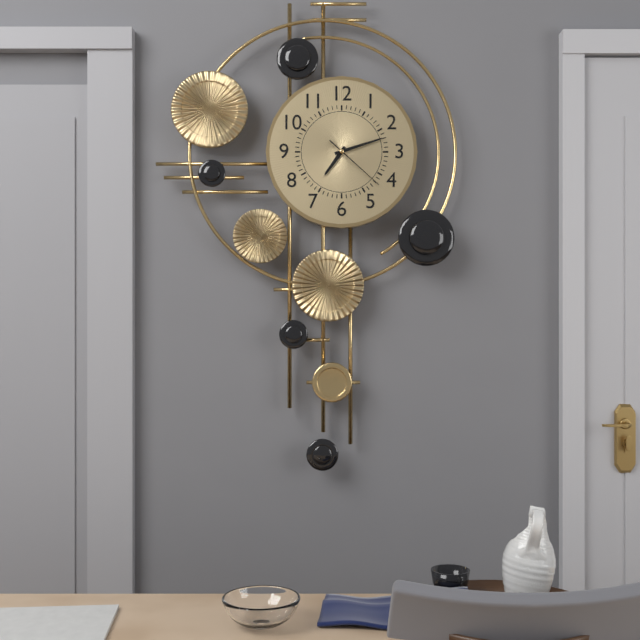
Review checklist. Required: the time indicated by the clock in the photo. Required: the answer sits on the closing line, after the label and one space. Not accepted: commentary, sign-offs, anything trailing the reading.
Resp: 7:12:22
